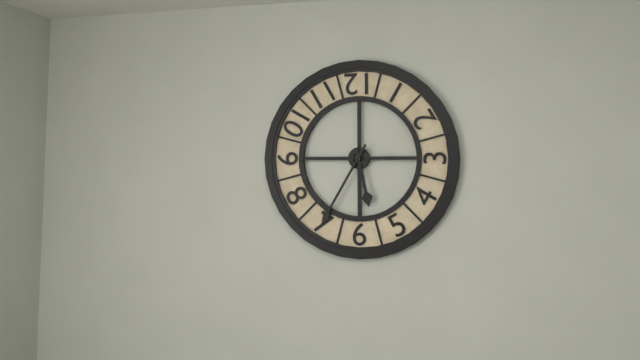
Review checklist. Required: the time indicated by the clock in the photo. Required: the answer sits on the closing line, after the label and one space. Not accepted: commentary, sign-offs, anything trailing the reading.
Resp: 5:35
